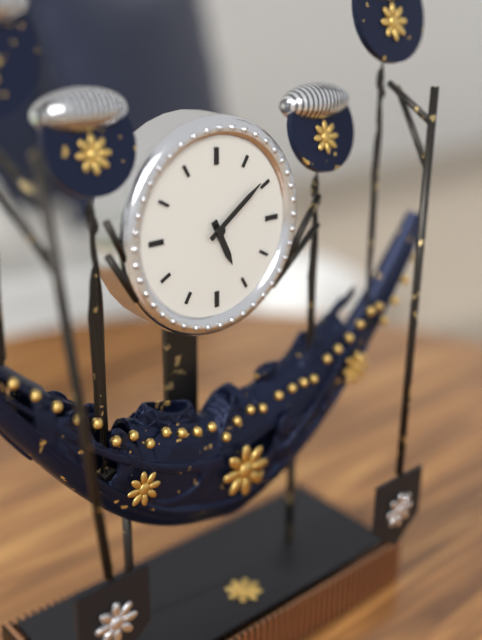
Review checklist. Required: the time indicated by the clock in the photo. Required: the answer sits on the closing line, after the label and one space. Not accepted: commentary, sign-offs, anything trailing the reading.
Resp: 5:09
